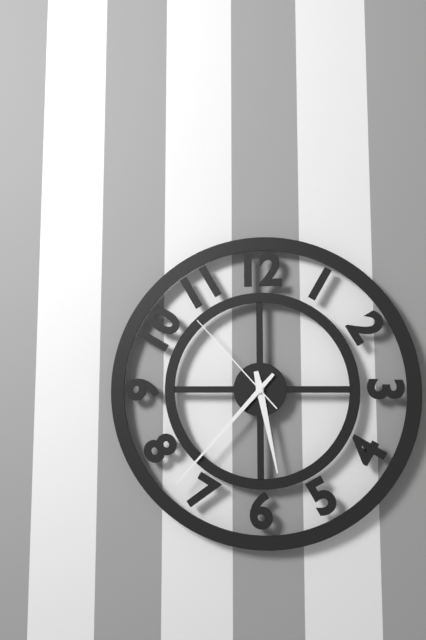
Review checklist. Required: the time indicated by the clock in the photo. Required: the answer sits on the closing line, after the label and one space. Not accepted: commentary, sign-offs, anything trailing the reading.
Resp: 5:37:53
